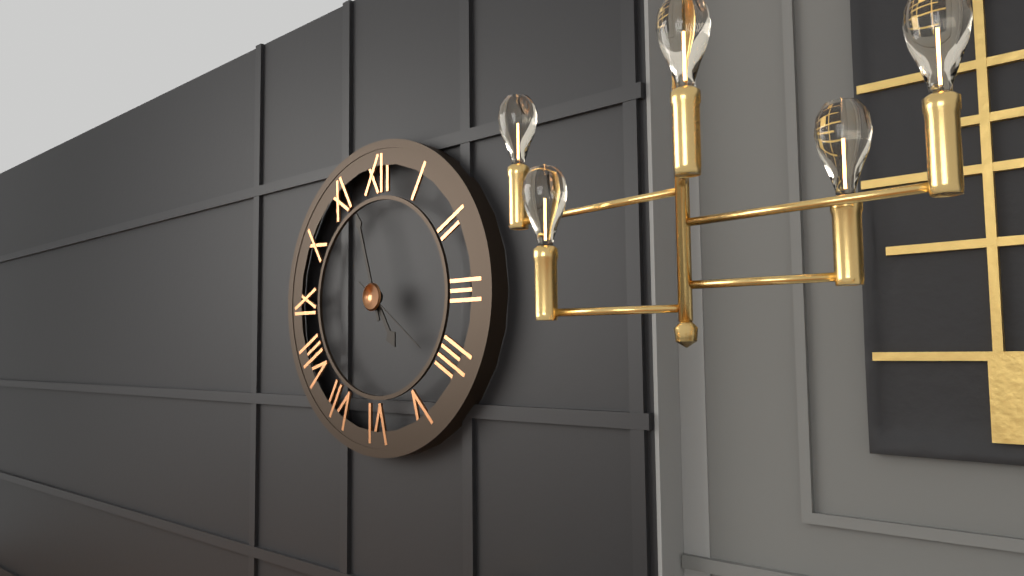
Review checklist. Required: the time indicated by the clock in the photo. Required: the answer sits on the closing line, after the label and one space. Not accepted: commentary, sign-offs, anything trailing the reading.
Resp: 4:57:21
